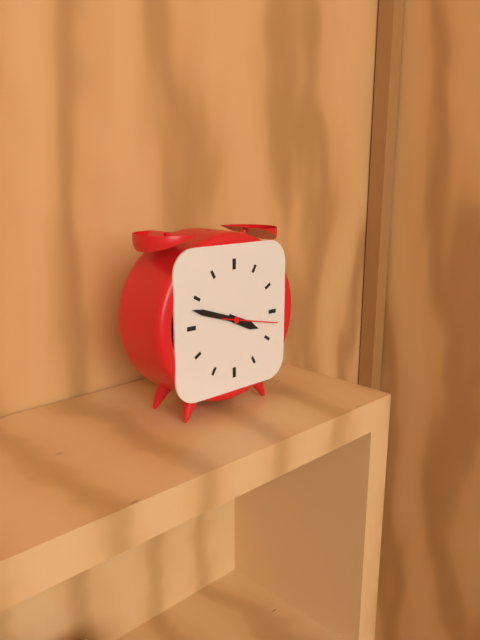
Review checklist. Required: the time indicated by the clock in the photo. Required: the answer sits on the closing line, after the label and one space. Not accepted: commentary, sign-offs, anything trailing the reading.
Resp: 3:48:17
